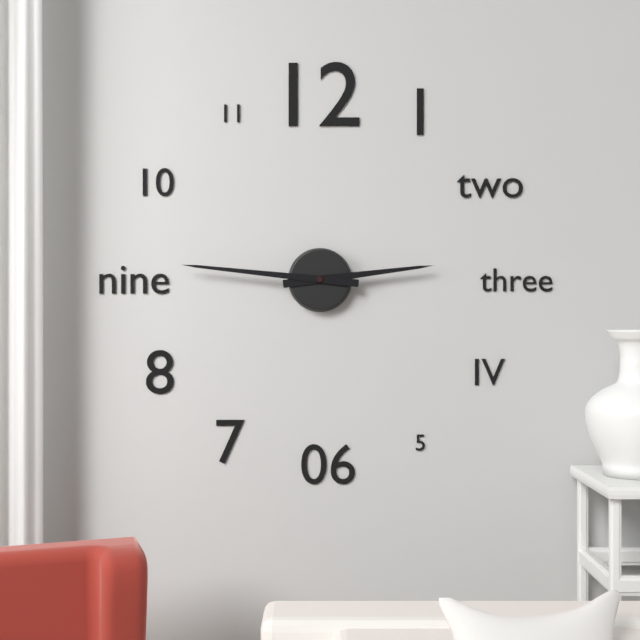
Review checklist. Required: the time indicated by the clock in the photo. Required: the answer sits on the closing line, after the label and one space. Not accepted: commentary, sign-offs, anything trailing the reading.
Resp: 2:46
